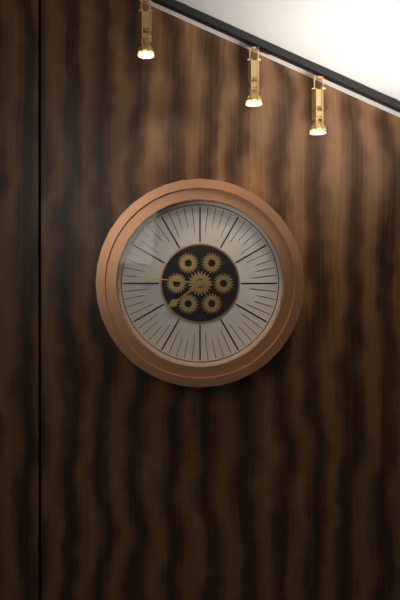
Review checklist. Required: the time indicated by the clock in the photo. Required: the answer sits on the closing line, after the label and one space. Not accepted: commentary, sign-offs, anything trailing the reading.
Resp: 7:46
